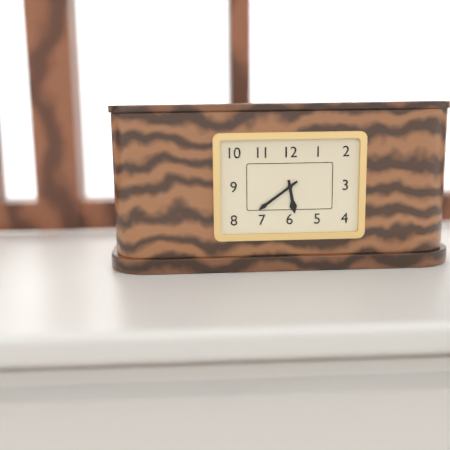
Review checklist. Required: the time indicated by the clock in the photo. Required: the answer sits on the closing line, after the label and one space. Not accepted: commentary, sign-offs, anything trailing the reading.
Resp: 5:39
